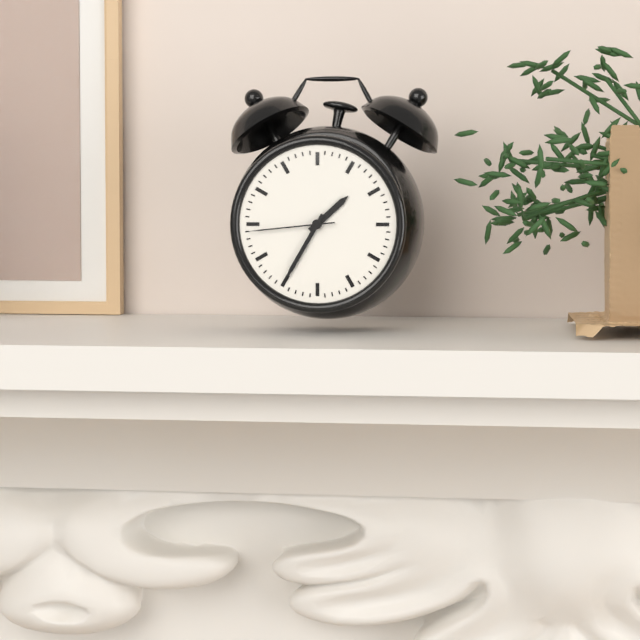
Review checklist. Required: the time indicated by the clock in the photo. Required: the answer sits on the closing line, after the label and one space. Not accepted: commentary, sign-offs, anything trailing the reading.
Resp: 1:35:44
